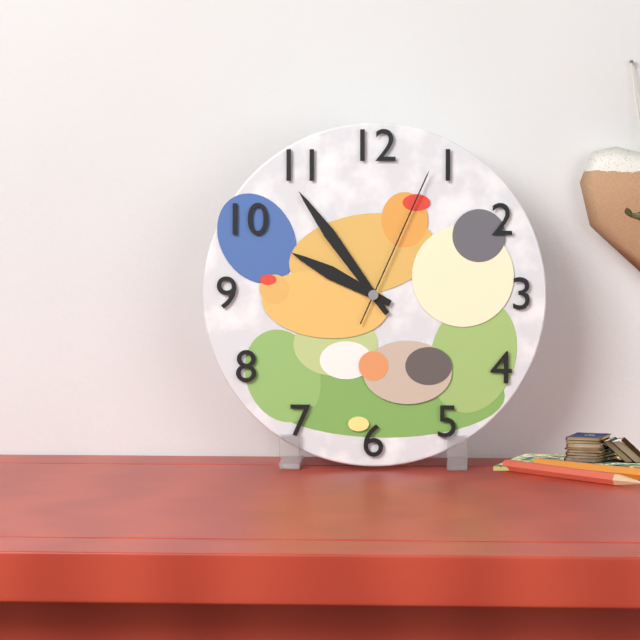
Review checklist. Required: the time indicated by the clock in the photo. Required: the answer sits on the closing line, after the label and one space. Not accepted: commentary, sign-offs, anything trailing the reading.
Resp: 9:54:04
